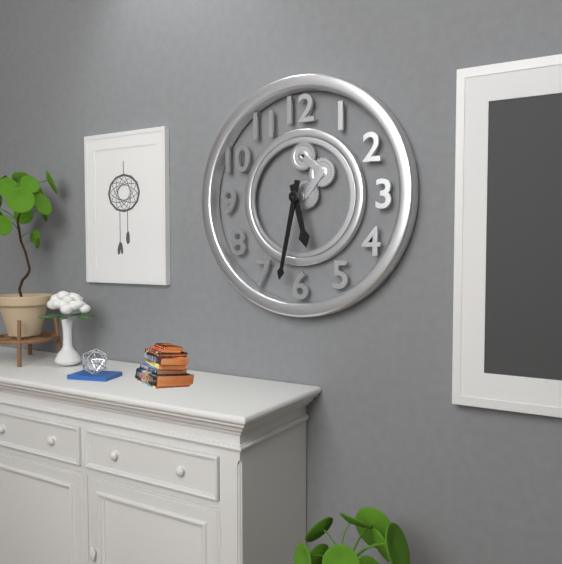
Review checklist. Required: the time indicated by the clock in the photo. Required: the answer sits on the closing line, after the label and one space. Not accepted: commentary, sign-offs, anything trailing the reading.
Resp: 5:32
